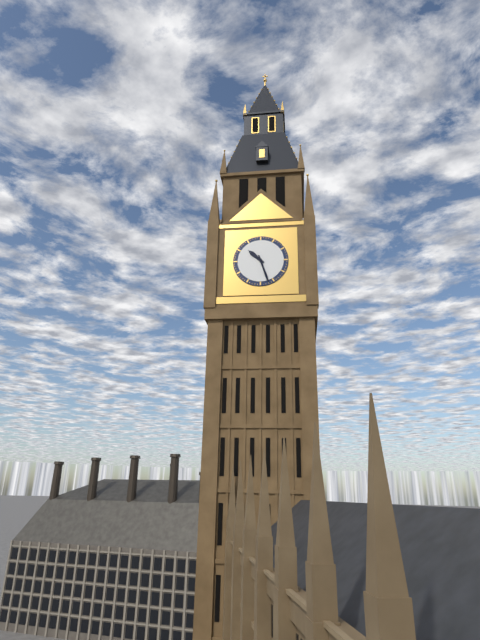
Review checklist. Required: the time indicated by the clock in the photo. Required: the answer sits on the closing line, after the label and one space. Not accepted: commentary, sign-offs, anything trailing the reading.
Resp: 10:27
